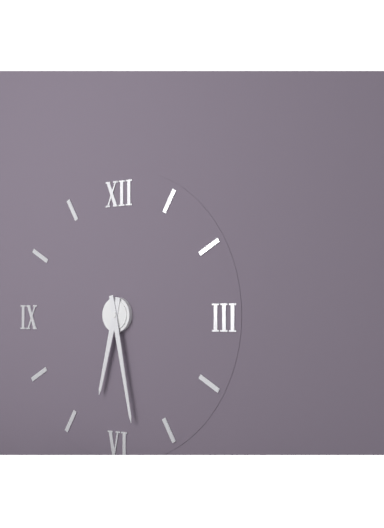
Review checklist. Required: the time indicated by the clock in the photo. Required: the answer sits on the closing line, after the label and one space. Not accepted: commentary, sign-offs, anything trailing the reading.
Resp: 6:28
